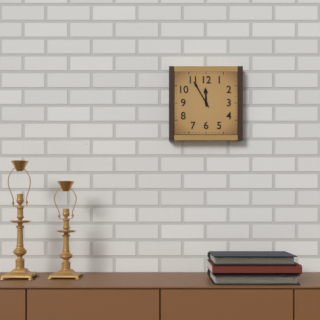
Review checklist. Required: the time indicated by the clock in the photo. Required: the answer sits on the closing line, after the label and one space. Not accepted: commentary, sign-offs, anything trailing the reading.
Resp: 11:55
